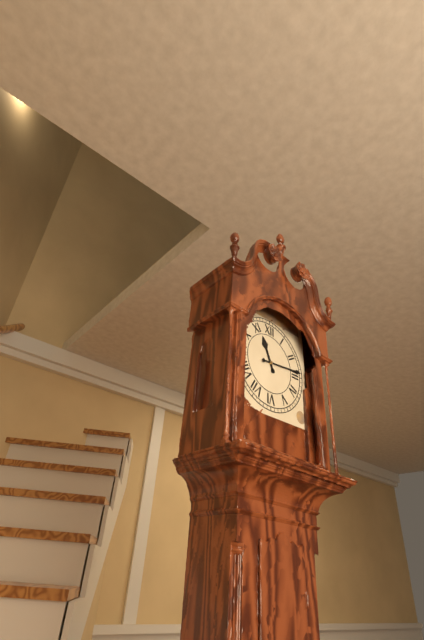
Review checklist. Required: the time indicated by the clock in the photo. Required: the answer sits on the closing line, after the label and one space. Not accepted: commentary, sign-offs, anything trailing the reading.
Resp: 11:14
